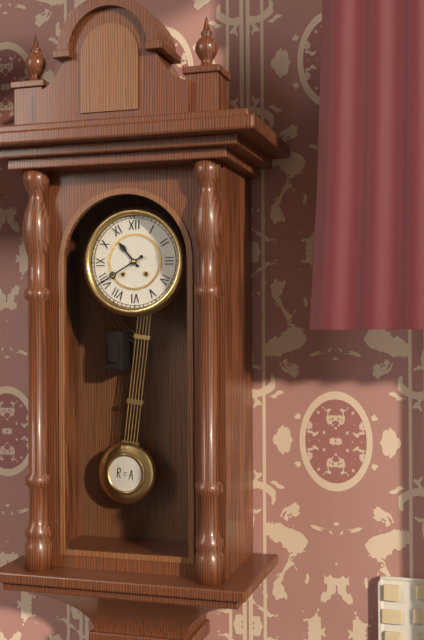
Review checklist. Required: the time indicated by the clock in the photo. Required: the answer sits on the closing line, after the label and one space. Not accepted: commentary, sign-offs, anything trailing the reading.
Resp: 10:40
